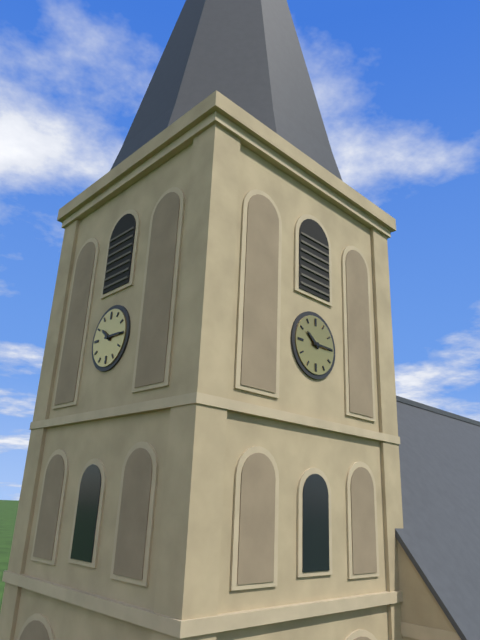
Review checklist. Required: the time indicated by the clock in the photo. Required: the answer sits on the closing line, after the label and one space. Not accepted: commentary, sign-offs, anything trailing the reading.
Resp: 10:15
